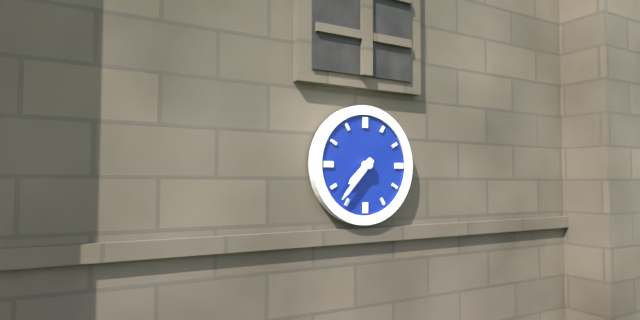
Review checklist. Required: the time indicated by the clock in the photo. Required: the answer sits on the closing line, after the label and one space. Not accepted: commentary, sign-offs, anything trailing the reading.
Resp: 7:37
